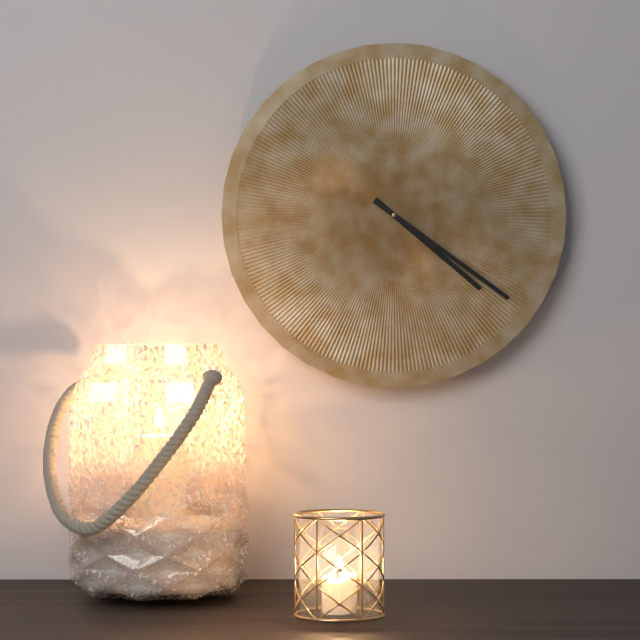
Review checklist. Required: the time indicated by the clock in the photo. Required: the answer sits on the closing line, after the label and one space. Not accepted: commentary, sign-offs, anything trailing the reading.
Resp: 4:21
